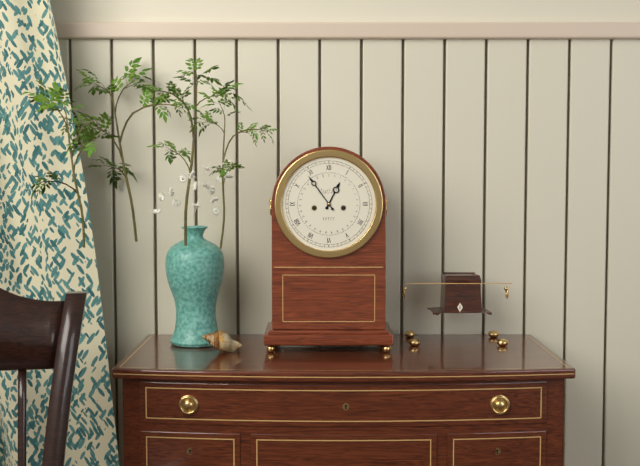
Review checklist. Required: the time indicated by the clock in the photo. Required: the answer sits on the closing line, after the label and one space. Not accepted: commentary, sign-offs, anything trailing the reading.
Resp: 12:54
